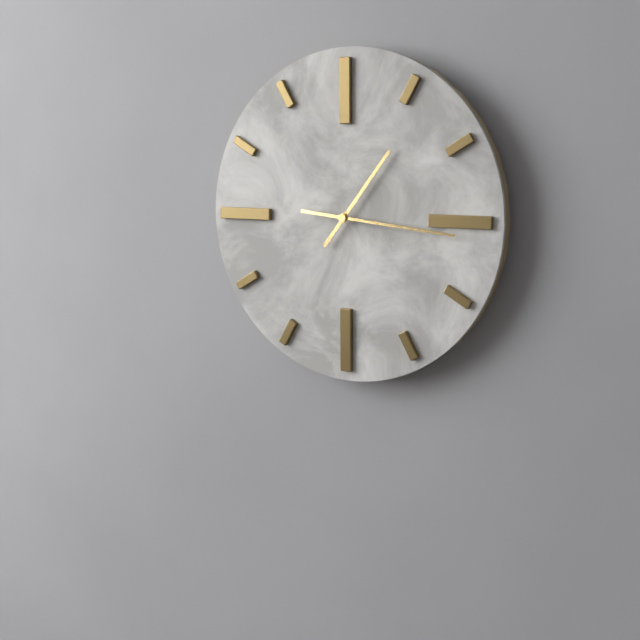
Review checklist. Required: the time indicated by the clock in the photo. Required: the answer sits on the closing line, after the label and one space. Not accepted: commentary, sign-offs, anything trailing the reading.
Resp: 1:16
